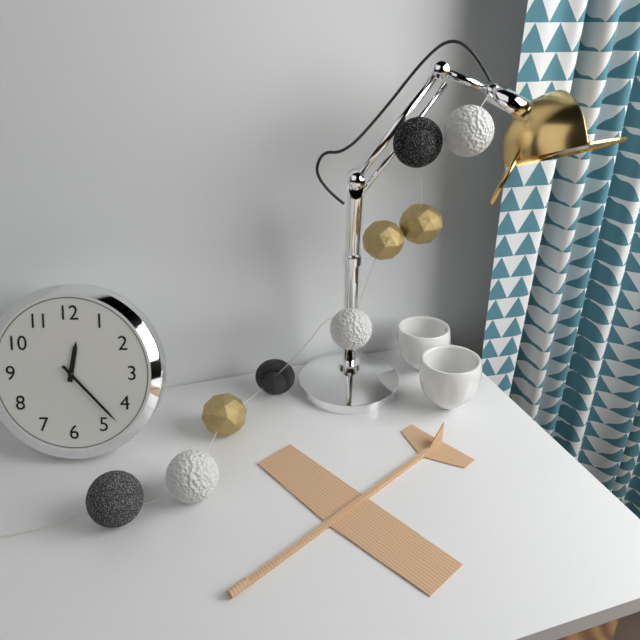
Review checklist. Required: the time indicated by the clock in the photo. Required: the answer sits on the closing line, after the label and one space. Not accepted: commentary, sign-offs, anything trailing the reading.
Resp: 12:23
